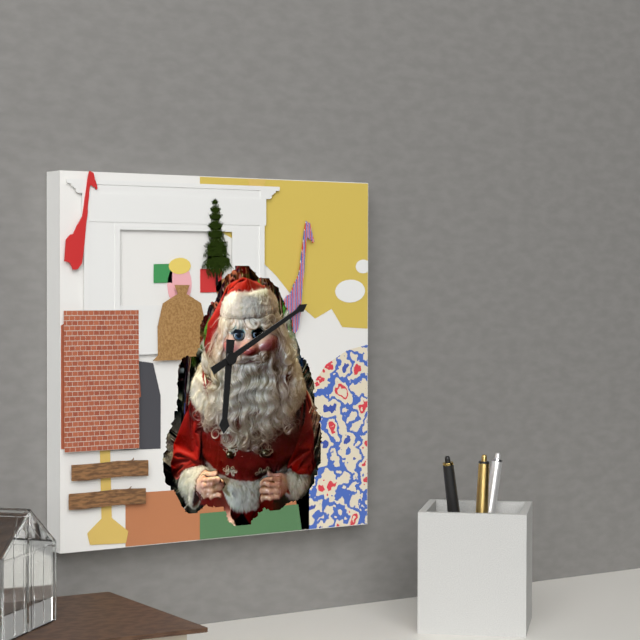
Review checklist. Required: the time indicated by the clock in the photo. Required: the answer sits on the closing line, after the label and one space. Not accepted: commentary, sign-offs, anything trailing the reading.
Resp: 6:10
